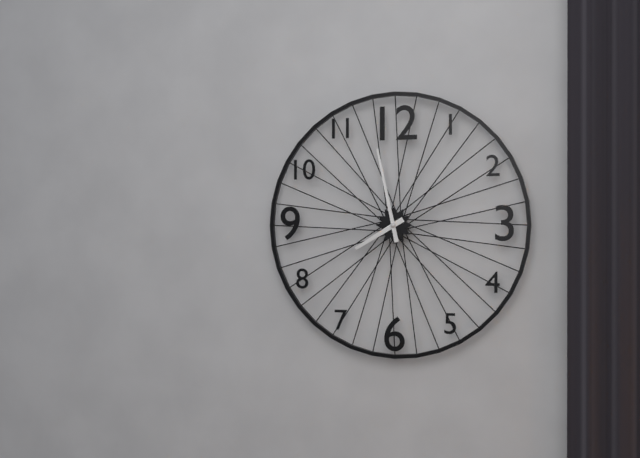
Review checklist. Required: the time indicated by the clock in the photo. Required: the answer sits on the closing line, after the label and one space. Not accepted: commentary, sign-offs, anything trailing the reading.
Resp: 7:58
